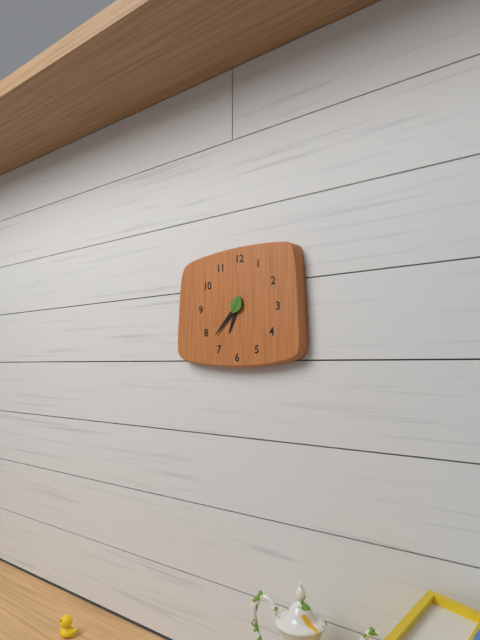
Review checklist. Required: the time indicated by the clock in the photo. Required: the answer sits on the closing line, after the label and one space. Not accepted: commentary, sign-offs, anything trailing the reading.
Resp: 6:37
